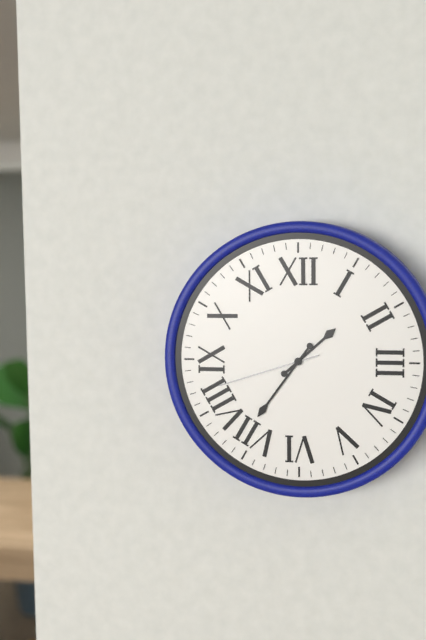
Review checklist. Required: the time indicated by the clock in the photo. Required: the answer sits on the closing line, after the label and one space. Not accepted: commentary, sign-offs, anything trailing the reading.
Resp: 1:36:42
